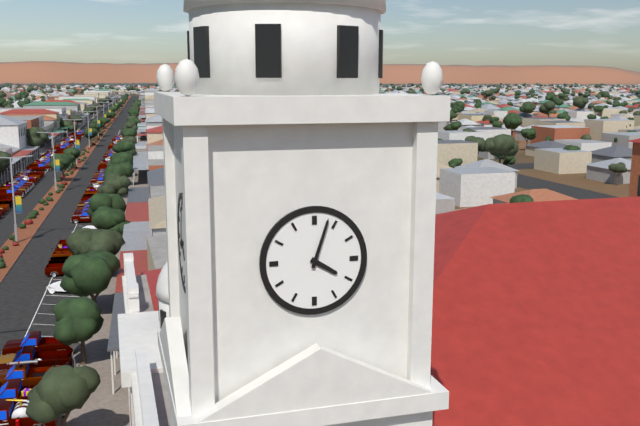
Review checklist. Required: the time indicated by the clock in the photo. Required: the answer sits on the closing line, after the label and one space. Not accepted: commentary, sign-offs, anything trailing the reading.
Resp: 4:03
